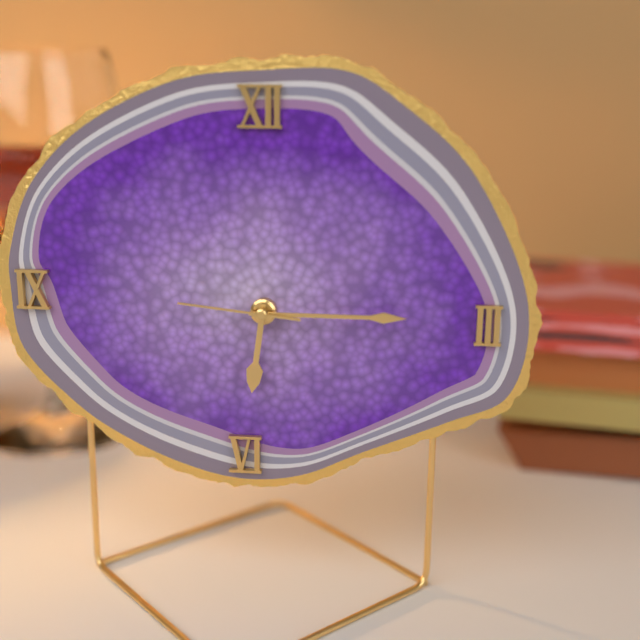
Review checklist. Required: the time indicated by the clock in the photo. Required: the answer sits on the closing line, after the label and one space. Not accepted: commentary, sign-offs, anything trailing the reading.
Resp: 6:15:46
